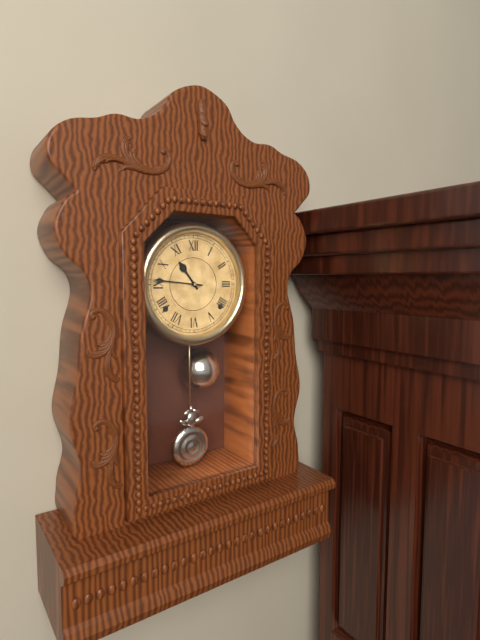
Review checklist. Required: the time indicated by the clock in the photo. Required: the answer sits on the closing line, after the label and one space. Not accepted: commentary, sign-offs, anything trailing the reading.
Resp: 10:46
